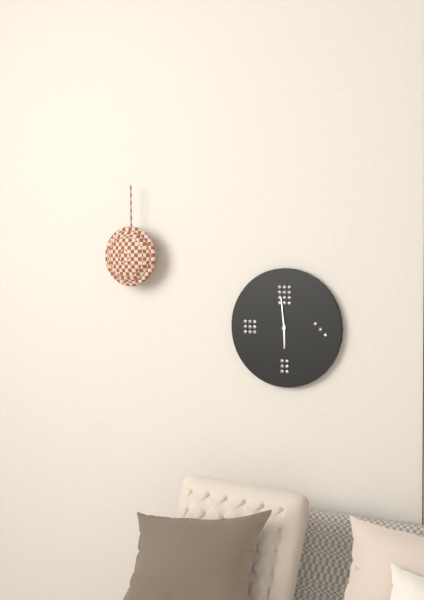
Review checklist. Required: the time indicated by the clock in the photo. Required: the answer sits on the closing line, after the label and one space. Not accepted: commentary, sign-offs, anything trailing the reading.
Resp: 5:59
